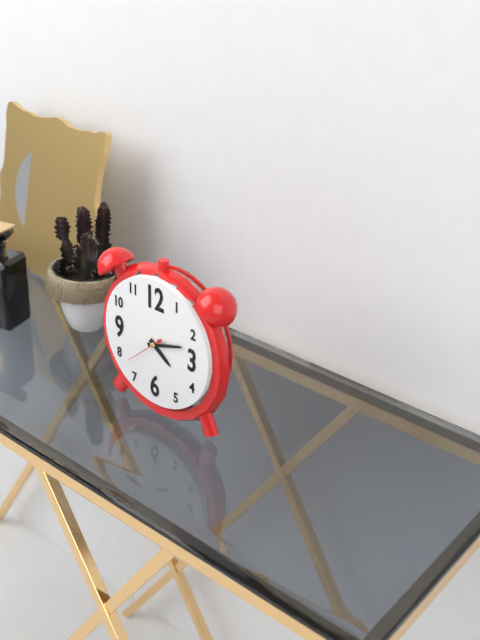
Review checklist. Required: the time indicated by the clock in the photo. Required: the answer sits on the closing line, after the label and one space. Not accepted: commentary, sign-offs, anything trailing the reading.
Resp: 4:12:38
